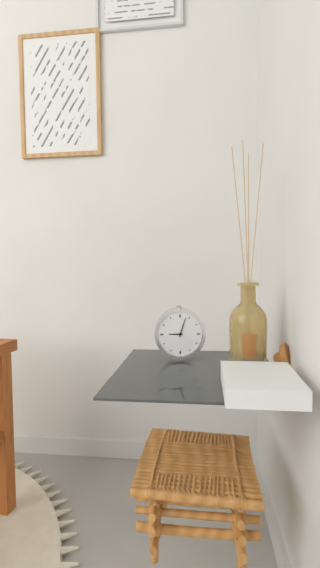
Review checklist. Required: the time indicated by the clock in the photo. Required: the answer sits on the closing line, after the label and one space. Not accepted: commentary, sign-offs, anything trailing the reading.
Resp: 9:03
